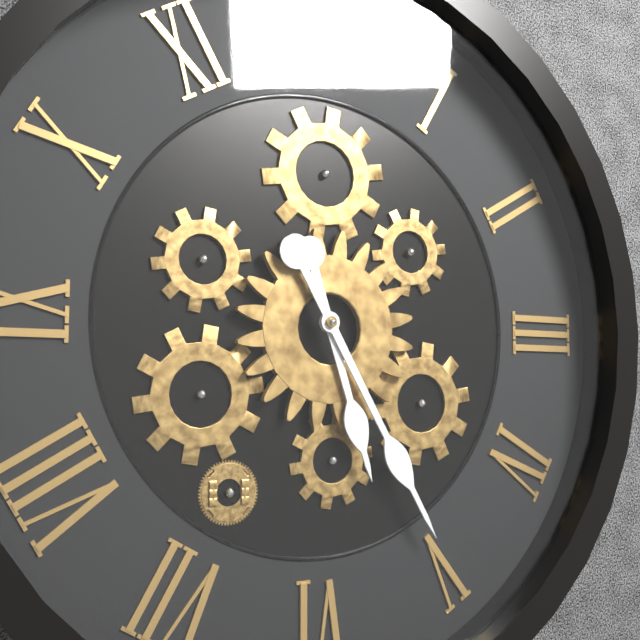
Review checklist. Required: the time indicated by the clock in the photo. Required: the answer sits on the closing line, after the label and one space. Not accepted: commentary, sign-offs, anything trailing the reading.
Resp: 5:25
